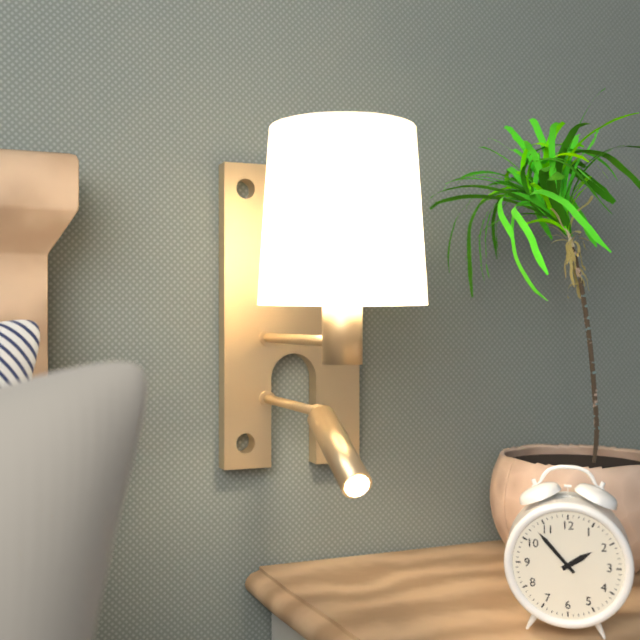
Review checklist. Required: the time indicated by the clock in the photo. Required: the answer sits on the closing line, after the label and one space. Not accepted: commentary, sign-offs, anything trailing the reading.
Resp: 1:53
